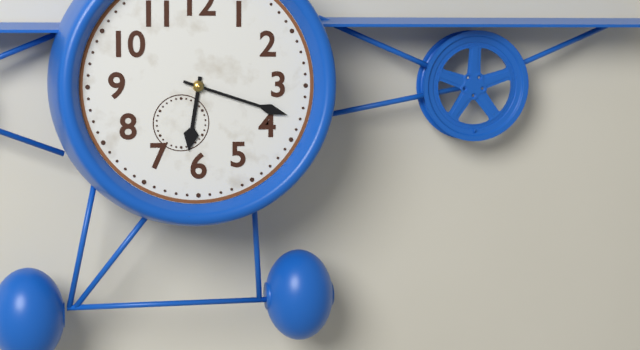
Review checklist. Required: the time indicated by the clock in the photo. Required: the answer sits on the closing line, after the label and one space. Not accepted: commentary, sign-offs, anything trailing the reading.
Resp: 6:18
